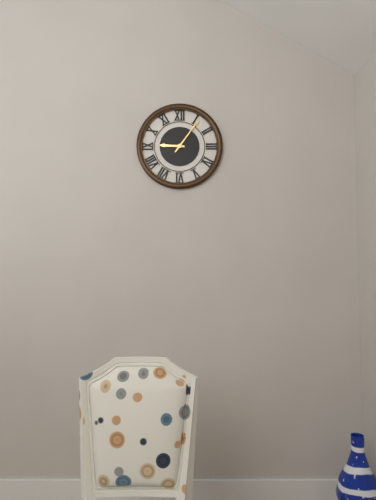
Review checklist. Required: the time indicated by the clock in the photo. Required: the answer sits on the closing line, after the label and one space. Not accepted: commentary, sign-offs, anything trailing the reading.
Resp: 9:06
